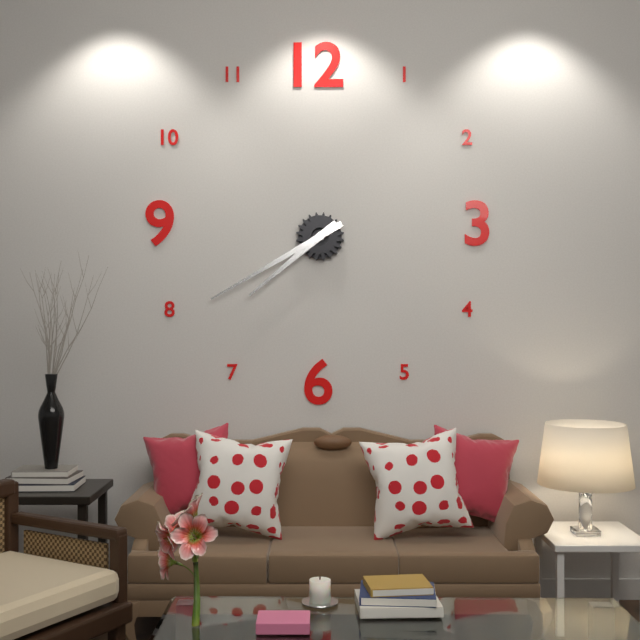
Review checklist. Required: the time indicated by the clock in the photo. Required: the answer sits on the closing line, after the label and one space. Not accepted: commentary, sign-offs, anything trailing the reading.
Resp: 7:40
